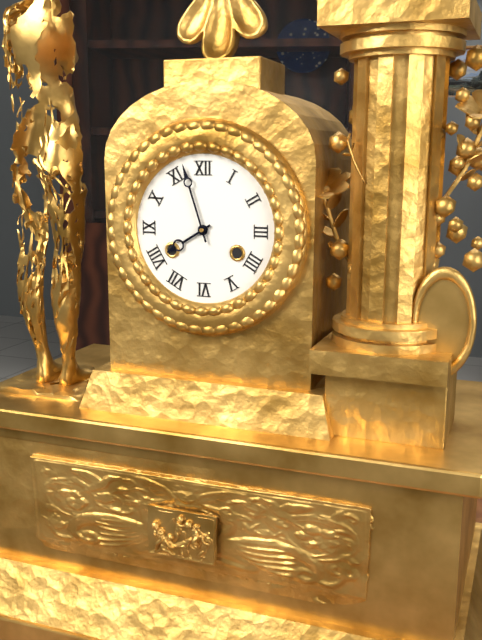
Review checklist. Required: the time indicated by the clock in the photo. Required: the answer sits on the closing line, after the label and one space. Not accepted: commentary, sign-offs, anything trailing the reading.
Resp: 7:57
